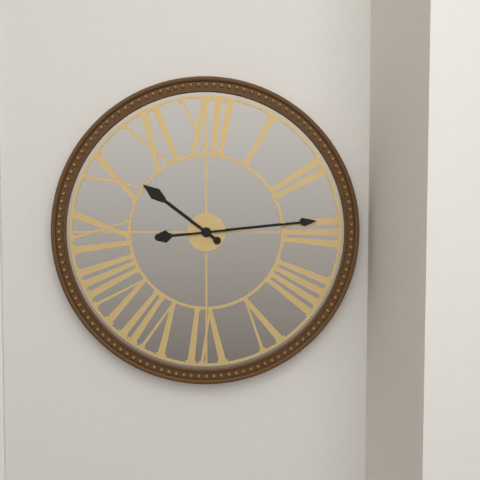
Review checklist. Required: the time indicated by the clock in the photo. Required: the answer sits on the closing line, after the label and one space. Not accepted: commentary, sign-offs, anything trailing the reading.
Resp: 10:14
